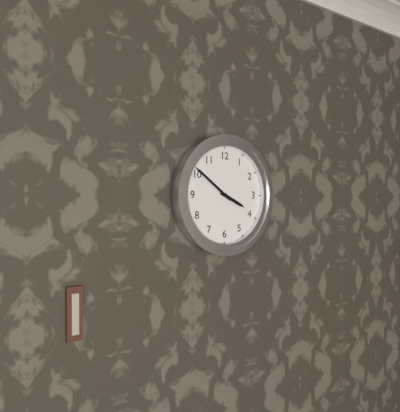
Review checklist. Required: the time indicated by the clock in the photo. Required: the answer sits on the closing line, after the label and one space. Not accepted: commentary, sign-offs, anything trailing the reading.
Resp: 3:51
